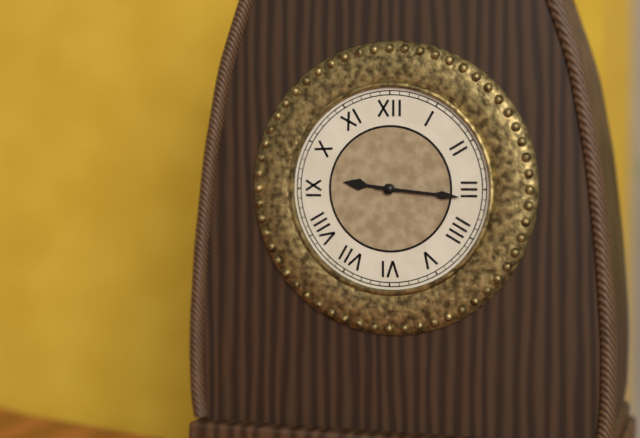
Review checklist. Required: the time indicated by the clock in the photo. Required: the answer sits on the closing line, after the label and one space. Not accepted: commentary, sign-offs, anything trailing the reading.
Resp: 9:16
